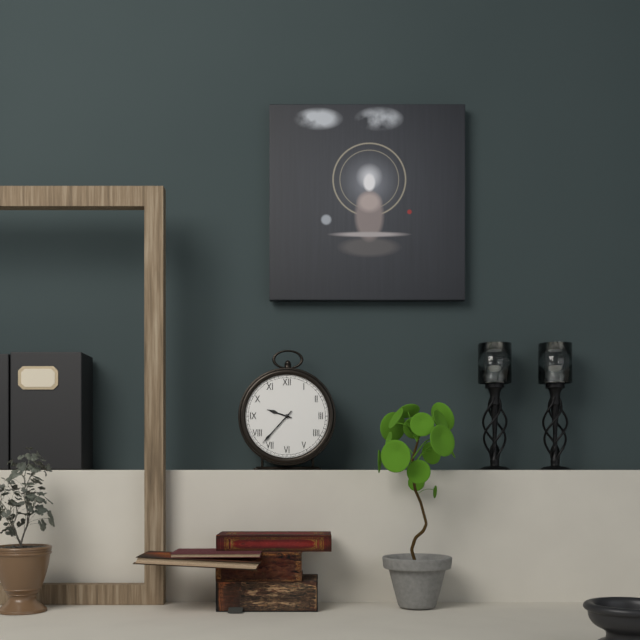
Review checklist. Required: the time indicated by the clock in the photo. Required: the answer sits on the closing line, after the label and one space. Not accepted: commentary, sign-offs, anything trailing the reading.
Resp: 9:37
